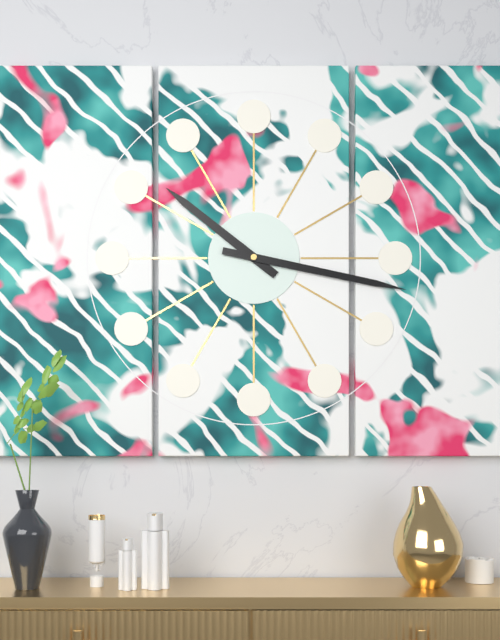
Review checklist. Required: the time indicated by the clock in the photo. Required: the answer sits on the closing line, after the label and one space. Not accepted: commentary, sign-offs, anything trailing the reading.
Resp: 10:17
